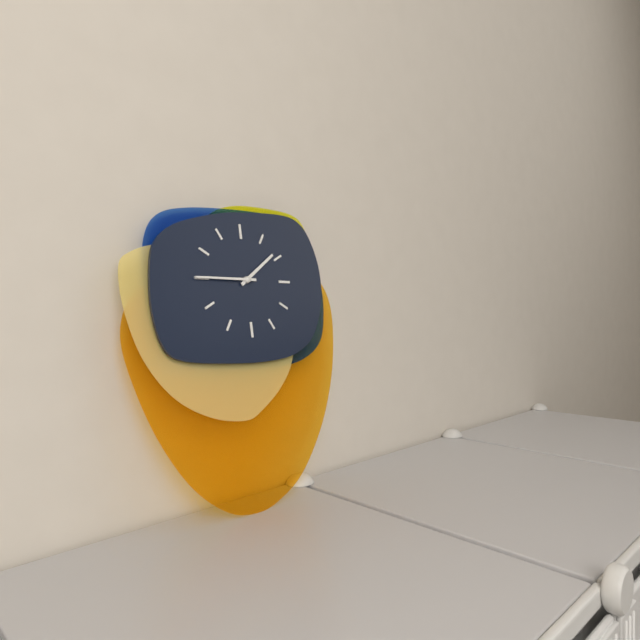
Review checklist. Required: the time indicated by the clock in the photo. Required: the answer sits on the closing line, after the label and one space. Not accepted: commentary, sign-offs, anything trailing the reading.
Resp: 1:45
